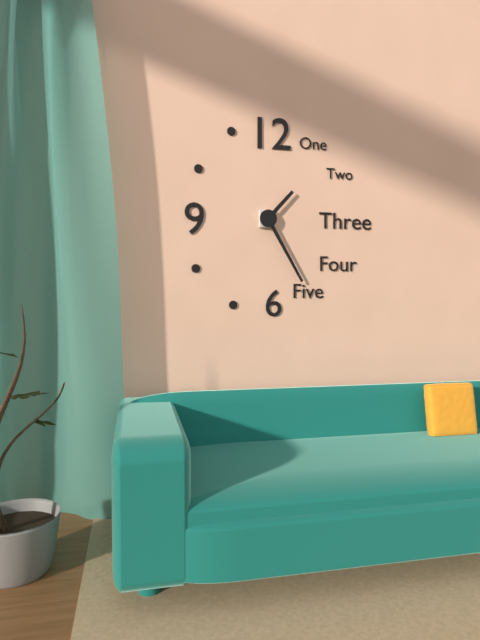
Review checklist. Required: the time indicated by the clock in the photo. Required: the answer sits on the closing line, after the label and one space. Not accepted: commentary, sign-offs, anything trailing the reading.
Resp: 1:25
